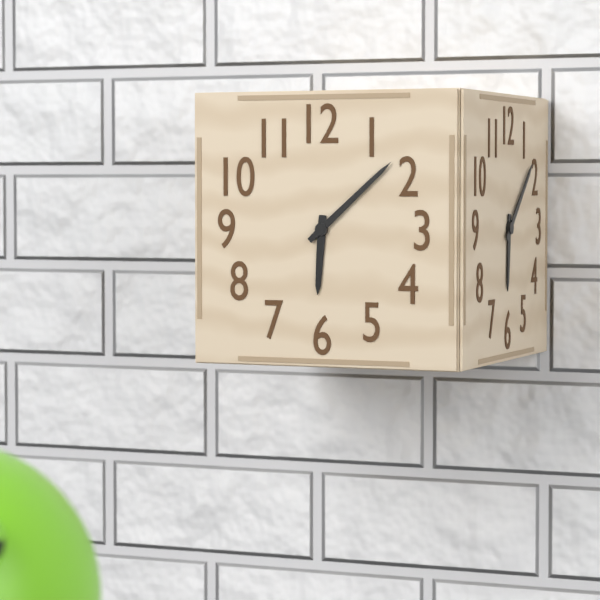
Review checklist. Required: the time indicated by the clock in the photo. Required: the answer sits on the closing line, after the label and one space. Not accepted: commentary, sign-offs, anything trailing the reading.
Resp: 6:08
